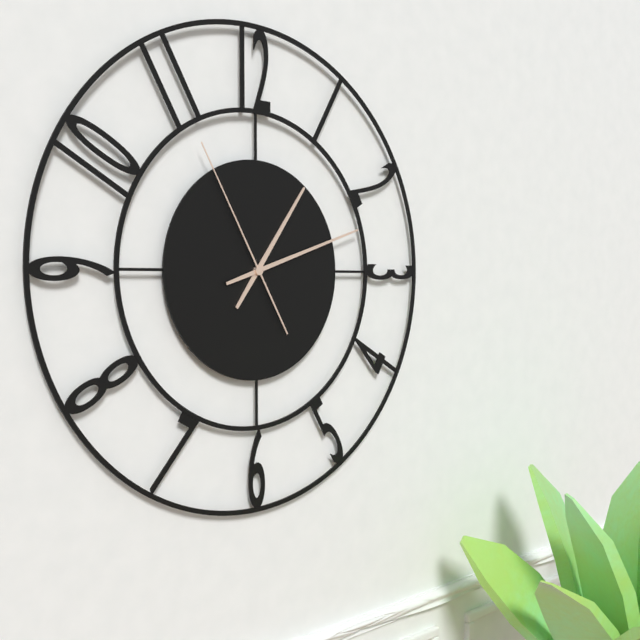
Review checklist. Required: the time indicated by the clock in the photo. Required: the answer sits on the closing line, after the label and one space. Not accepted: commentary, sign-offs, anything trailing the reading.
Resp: 1:12:55
